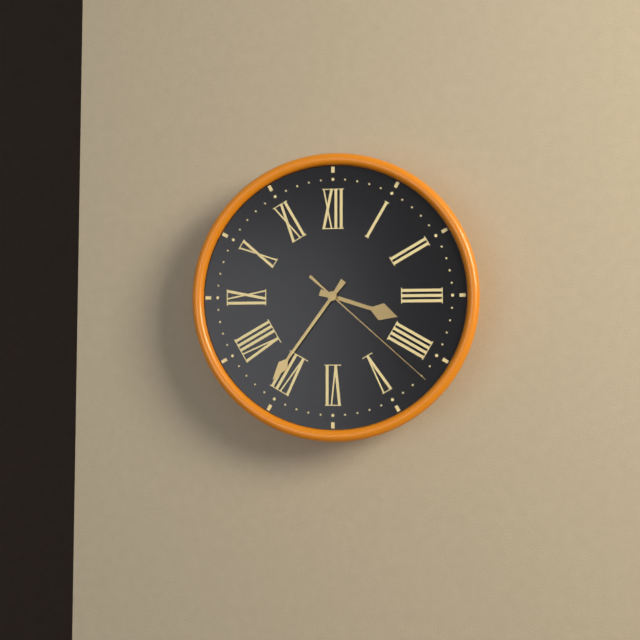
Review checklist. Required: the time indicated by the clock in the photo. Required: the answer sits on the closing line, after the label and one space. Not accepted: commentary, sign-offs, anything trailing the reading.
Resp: 3:36:22
